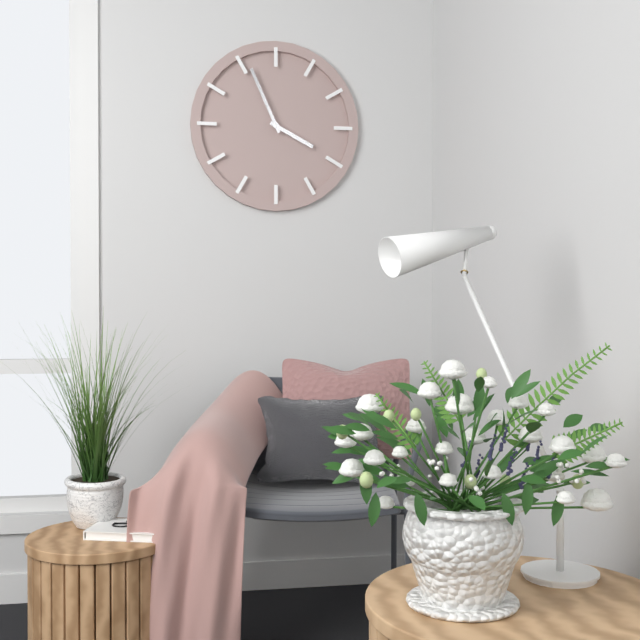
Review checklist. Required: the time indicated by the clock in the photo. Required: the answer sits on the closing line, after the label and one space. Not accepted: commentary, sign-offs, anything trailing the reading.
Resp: 3:56
